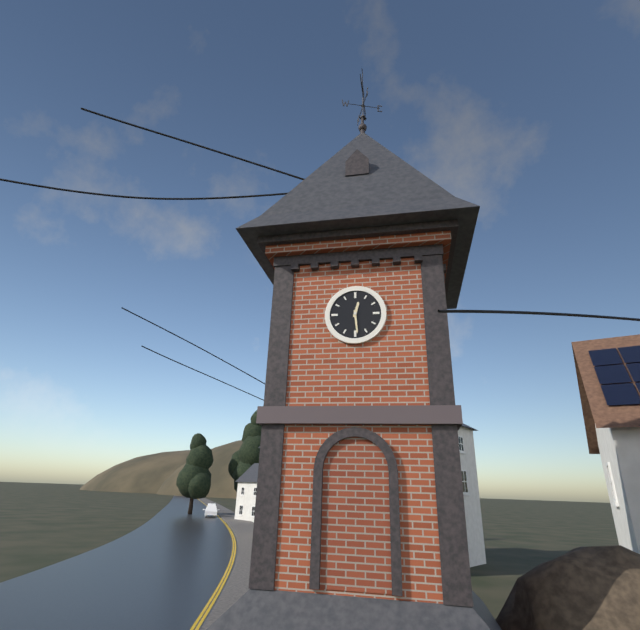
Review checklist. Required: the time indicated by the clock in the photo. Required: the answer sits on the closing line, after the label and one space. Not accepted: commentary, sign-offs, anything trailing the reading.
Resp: 12:29
